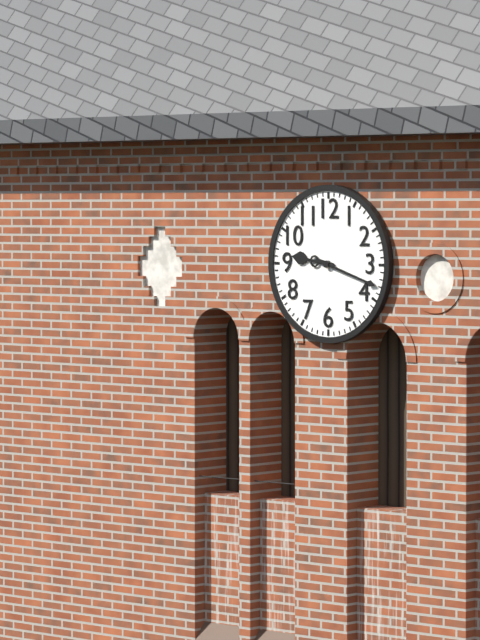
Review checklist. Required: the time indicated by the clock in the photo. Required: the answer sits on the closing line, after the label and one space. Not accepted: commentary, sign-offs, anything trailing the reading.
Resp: 9:18
